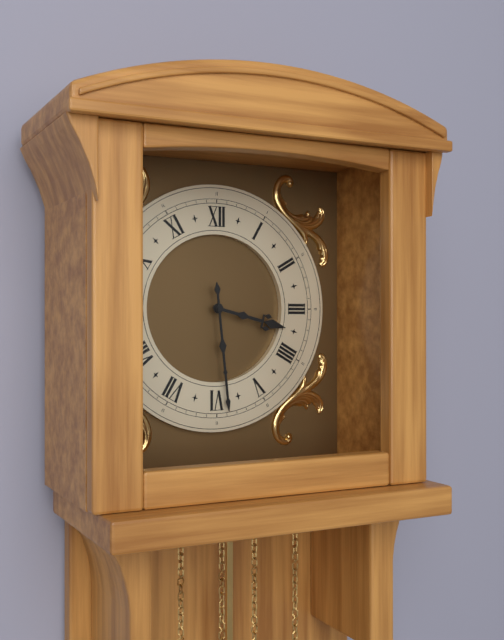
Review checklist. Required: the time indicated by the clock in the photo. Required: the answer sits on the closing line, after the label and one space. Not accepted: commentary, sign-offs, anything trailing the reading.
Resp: 3:29
